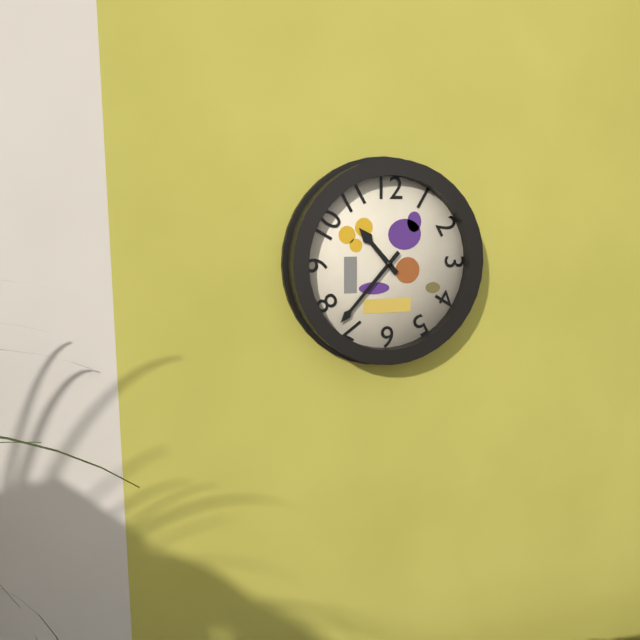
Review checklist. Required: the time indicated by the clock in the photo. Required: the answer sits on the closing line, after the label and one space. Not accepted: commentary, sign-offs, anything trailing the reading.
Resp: 10:37
